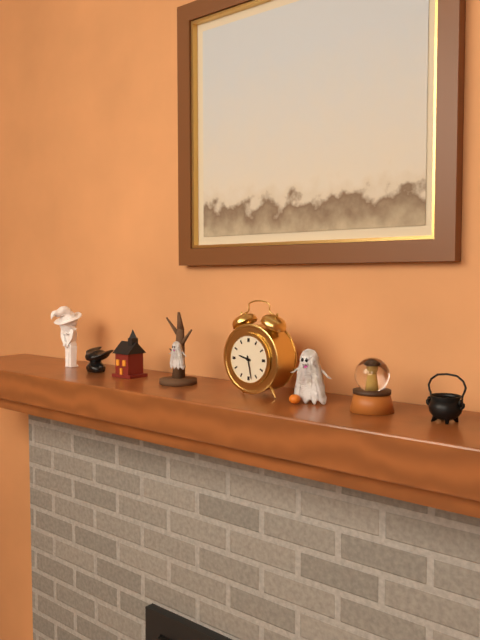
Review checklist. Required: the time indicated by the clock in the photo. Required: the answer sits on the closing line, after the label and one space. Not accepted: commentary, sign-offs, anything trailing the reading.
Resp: 9:28
